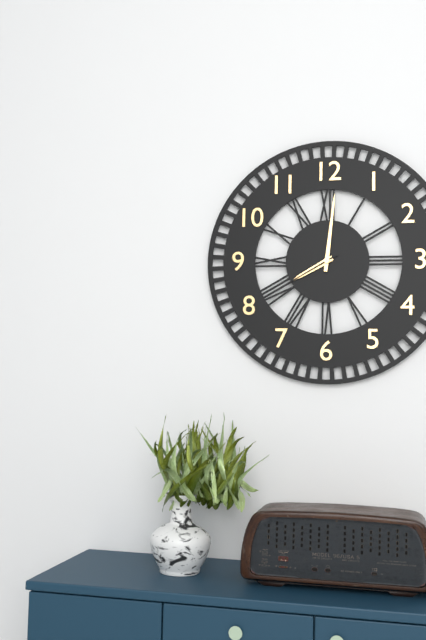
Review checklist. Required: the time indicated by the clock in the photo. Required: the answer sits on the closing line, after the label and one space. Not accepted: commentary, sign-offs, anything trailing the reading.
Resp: 8:01:40
